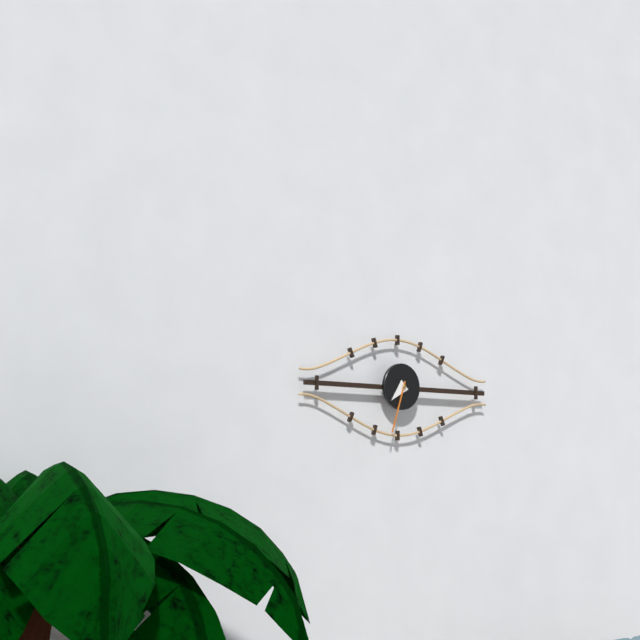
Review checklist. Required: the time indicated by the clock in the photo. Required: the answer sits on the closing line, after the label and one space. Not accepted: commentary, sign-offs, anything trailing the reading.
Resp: 7:33
